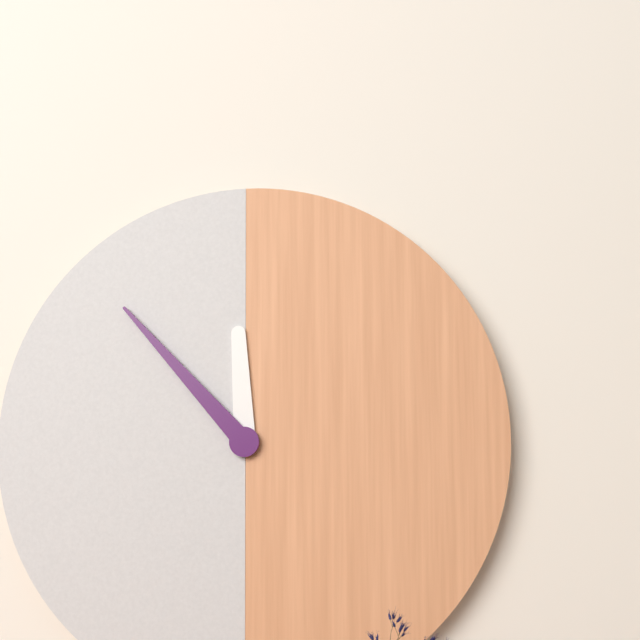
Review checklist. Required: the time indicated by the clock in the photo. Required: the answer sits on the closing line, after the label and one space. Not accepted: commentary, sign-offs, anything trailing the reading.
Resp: 11:53
